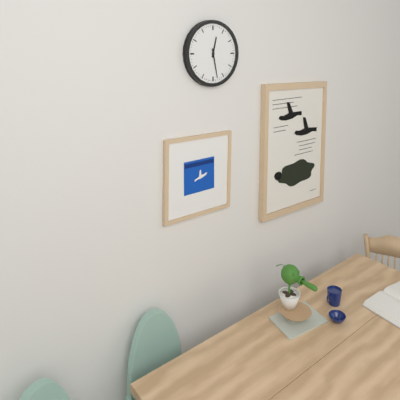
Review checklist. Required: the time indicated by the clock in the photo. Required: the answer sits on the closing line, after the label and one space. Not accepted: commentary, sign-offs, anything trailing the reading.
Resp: 12:28
